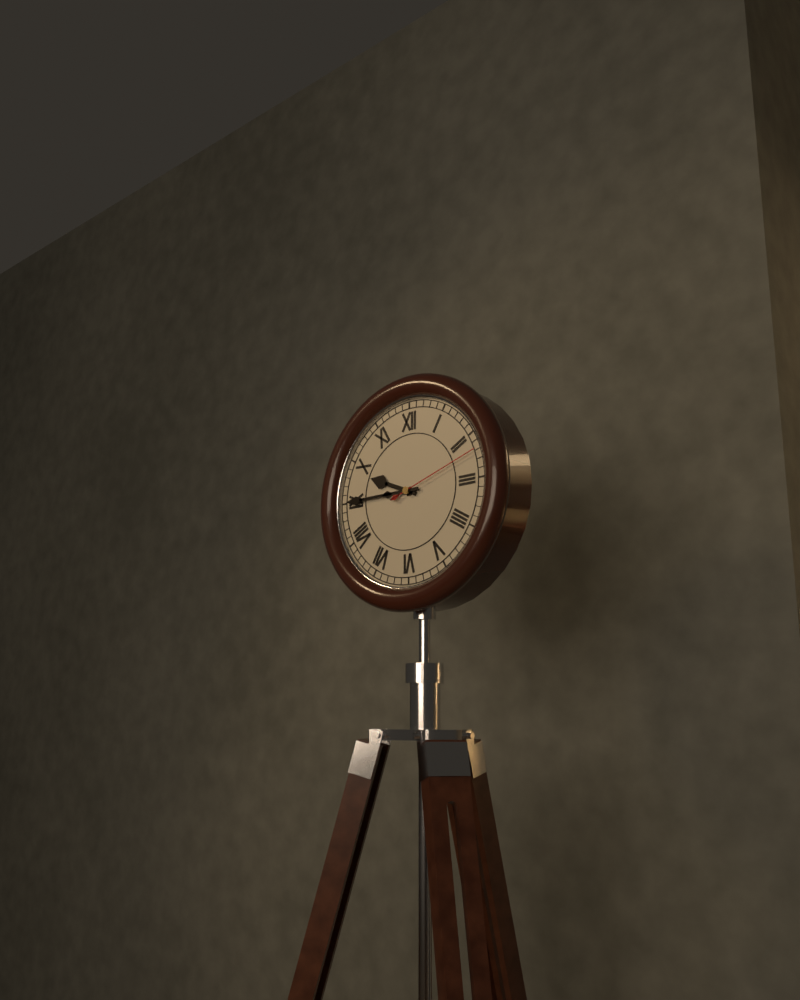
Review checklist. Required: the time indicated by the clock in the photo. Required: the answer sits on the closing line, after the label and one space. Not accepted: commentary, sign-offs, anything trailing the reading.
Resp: 9:45:12
